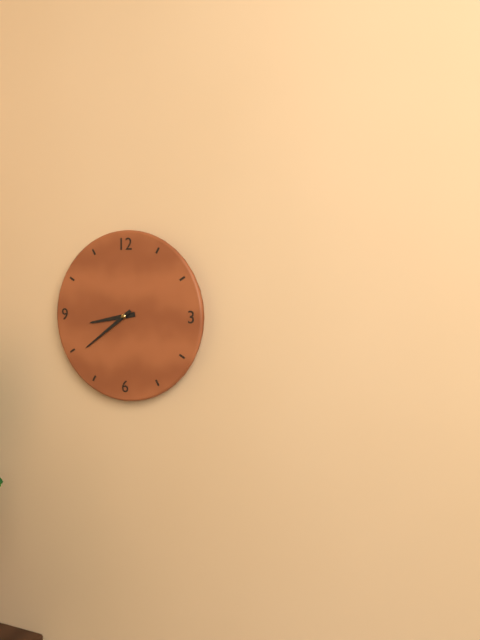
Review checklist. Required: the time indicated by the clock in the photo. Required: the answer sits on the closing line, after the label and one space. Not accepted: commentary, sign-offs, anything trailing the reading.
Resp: 8:39
